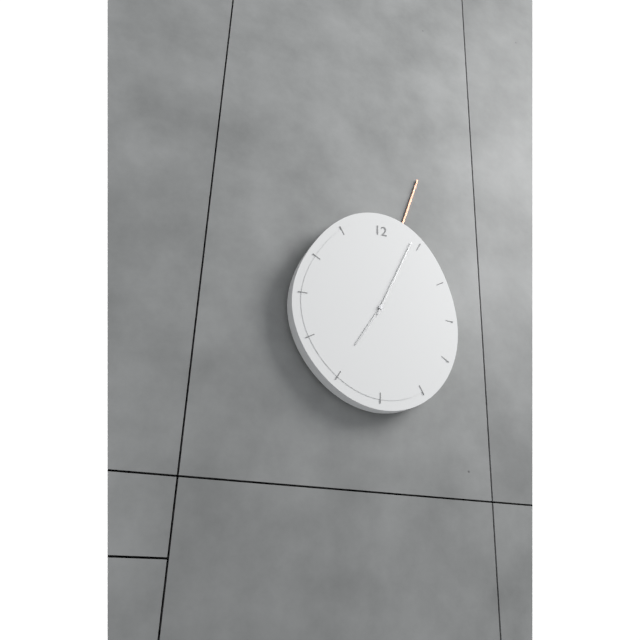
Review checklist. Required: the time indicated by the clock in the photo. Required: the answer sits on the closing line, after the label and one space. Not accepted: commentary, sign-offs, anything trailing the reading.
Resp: 7:04:03
